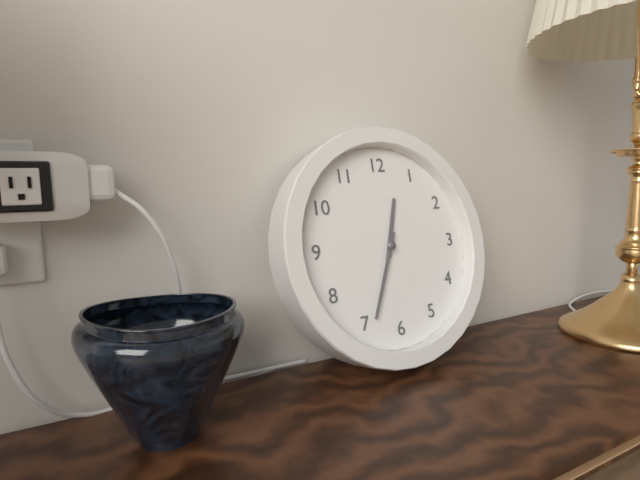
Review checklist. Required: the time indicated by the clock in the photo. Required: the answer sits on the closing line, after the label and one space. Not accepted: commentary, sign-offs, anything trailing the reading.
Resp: 12:34
